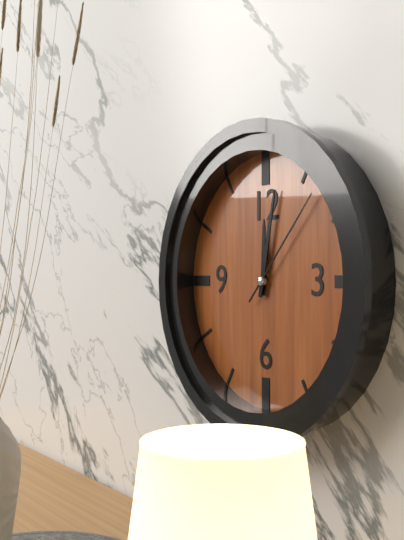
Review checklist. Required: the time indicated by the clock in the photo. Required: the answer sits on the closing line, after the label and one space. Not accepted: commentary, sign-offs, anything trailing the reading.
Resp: 12:02:07
